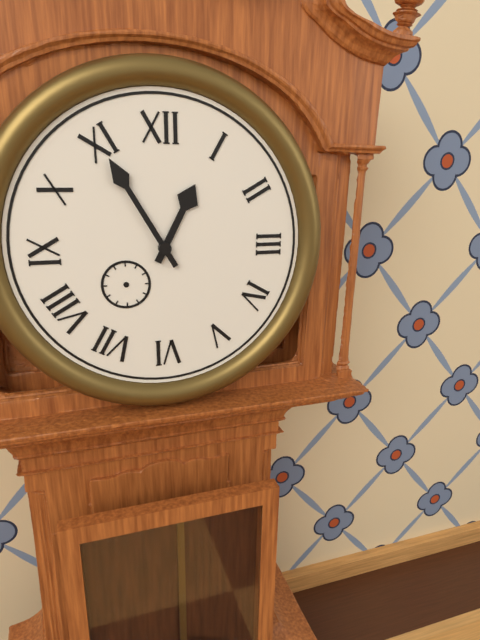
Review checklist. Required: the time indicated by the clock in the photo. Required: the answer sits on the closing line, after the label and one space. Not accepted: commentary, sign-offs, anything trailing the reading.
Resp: 12:55
